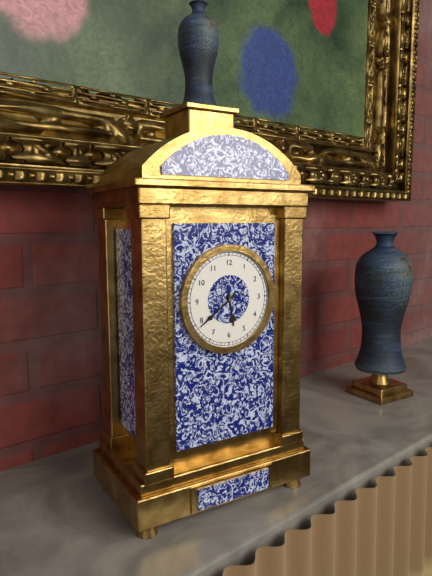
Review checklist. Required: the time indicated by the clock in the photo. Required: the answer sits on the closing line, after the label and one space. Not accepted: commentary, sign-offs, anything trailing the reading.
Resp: 5:39
